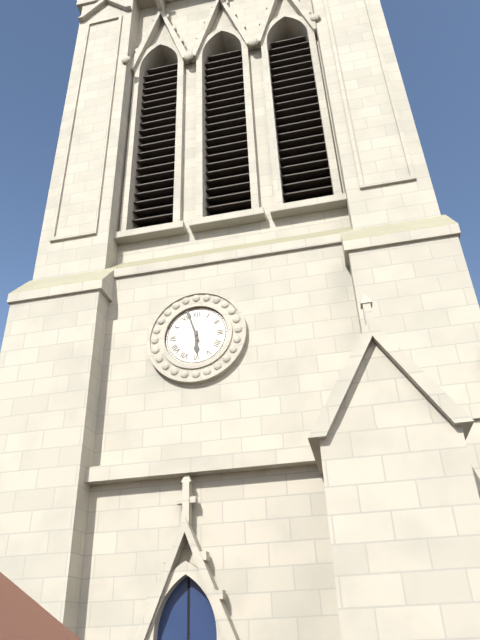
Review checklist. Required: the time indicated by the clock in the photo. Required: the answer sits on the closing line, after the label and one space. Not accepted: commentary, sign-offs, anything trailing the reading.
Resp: 5:57
